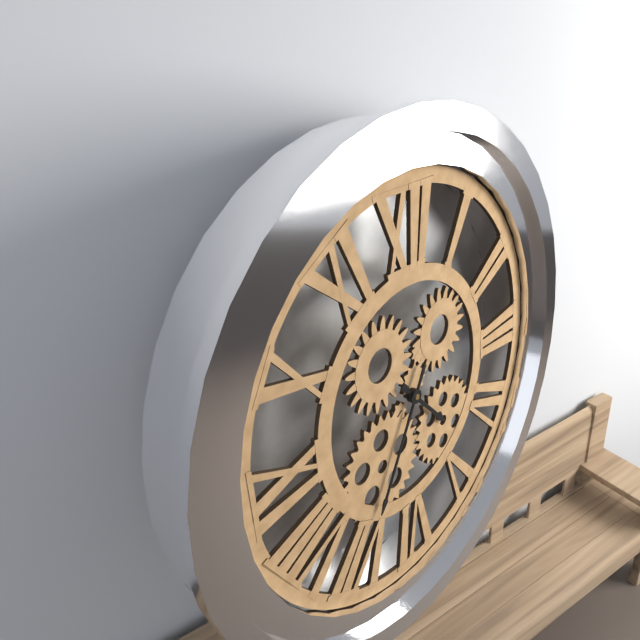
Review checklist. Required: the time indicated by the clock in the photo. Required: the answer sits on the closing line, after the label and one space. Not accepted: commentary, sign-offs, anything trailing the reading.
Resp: 4:35
